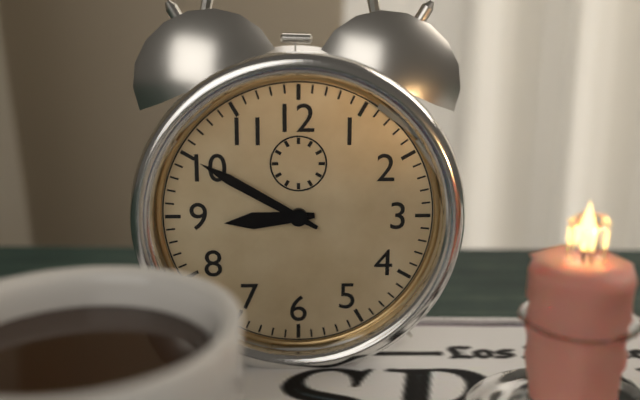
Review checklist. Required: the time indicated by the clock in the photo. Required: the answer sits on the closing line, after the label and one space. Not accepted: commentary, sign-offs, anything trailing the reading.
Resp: 8:50
